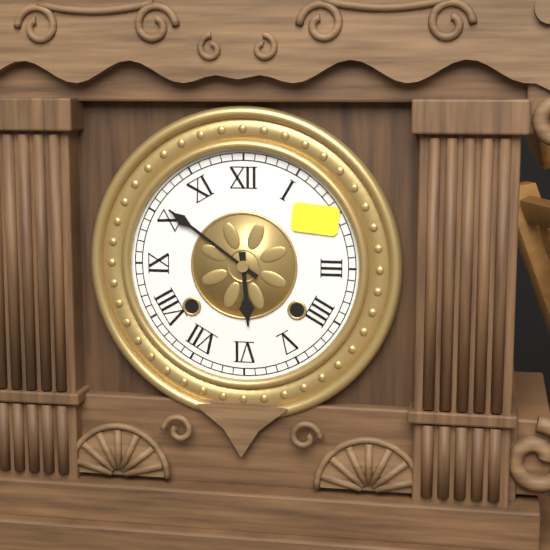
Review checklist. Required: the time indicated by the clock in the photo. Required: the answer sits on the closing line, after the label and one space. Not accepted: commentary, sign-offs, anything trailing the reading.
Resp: 5:51
